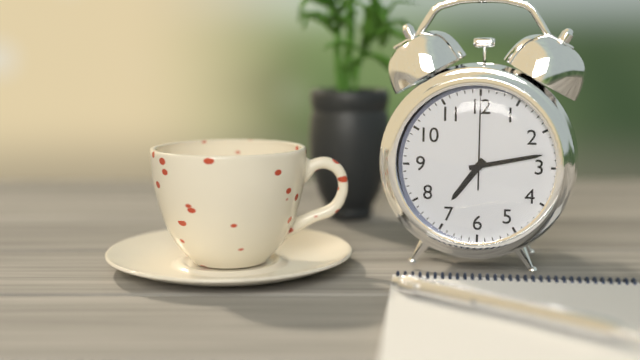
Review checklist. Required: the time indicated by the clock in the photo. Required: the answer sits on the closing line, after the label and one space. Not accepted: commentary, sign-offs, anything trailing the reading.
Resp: 7:13:00
